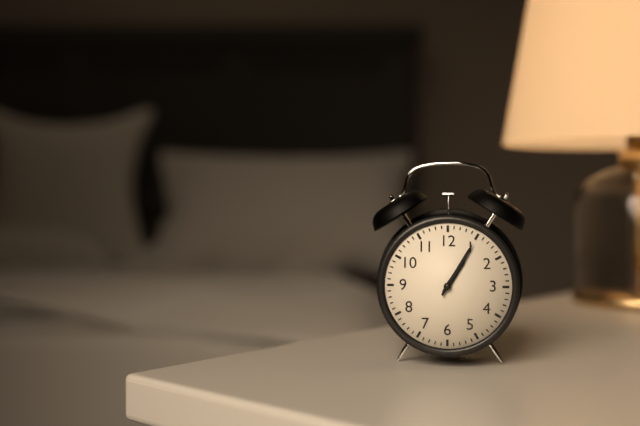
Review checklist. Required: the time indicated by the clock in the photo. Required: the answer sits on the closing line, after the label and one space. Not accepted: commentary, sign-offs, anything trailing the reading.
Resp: 1:05
